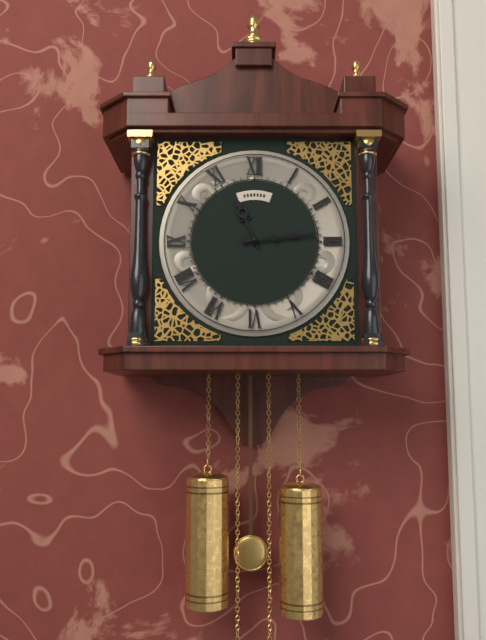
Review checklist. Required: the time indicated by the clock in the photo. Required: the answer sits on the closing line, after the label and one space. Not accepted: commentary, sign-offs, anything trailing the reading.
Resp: 11:14
